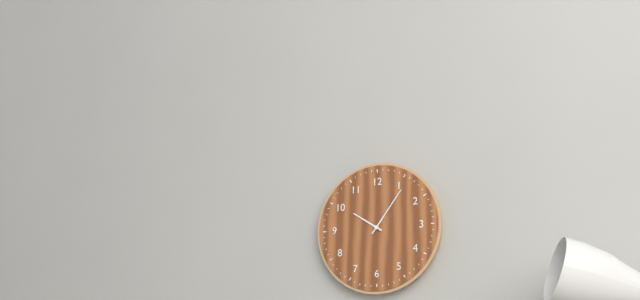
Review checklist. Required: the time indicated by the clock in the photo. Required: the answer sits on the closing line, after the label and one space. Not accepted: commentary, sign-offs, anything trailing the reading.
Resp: 10:06
